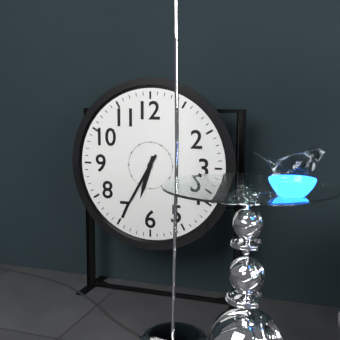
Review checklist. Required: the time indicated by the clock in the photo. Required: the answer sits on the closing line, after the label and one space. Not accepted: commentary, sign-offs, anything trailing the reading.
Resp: 6:35
